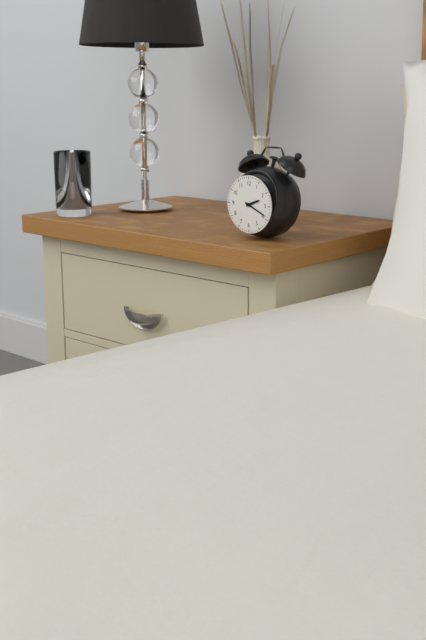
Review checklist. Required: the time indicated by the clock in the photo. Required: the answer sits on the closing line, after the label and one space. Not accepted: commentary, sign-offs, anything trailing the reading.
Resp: 2:19
